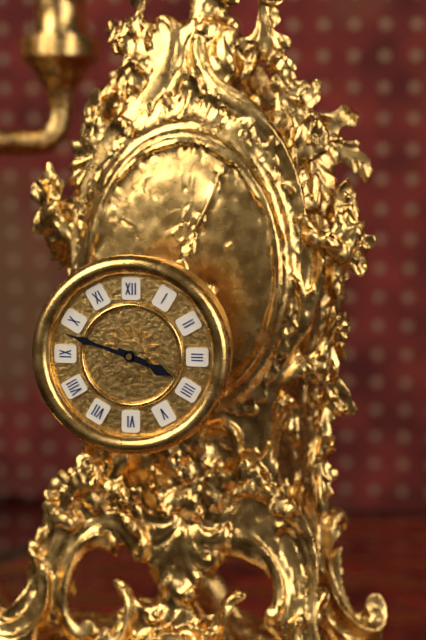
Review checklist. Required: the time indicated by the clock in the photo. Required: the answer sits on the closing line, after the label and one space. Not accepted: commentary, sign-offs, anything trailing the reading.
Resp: 3:48
